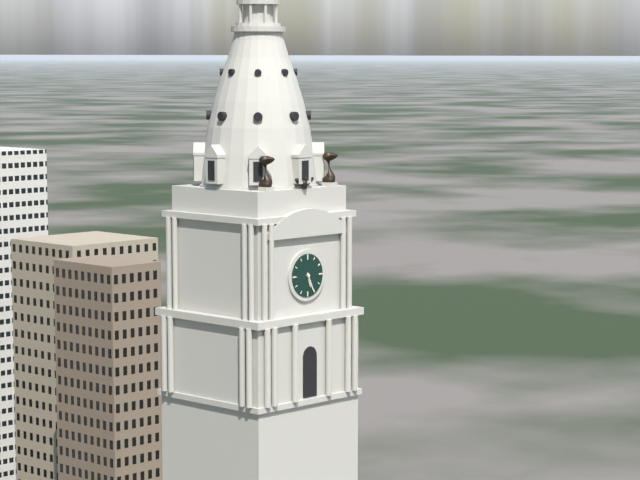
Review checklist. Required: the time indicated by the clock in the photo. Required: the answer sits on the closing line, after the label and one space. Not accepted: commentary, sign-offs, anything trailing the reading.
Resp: 5:26
